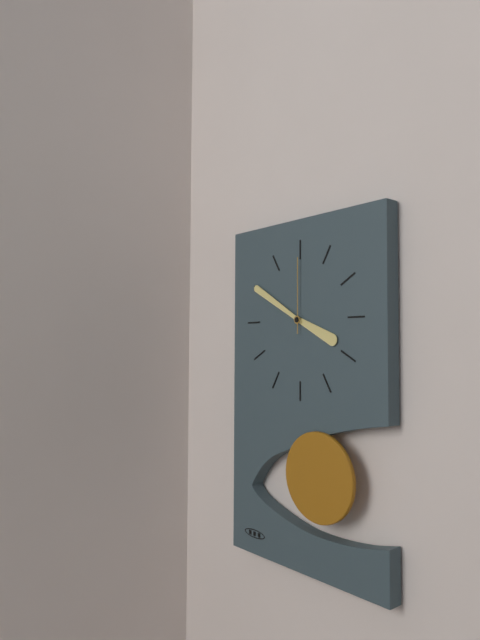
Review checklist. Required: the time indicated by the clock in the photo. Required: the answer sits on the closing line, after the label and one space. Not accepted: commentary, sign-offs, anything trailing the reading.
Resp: 3:50:00
